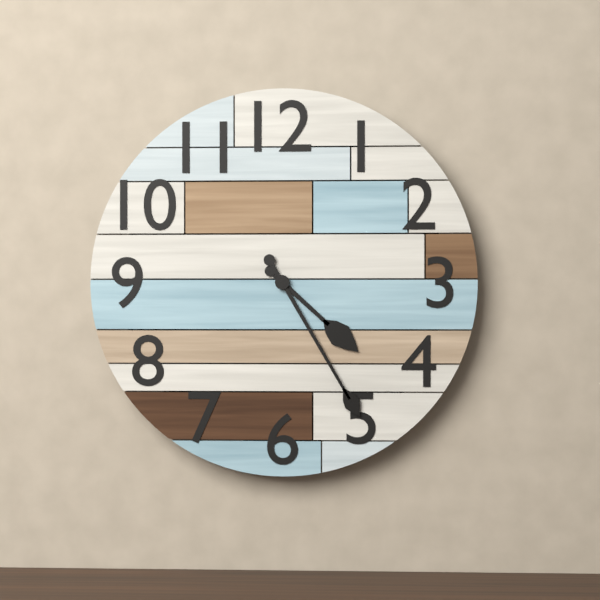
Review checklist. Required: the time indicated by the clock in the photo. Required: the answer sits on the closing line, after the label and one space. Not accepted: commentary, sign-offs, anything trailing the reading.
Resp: 4:25
